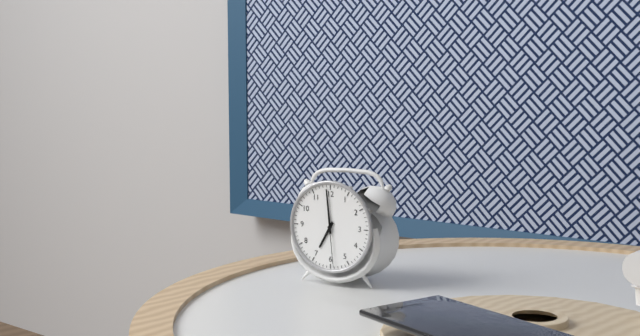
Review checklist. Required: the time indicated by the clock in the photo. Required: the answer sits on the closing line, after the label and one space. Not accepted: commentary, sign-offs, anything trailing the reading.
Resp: 6:59:29
